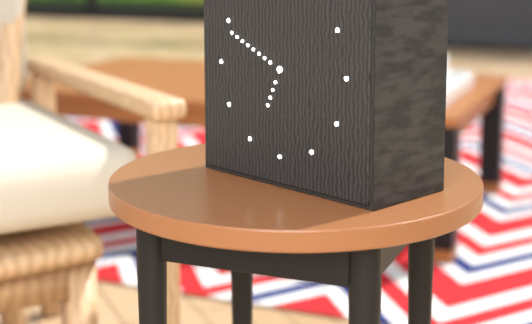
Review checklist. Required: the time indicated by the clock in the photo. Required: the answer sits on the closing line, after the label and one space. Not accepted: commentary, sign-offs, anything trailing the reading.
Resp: 6:49
